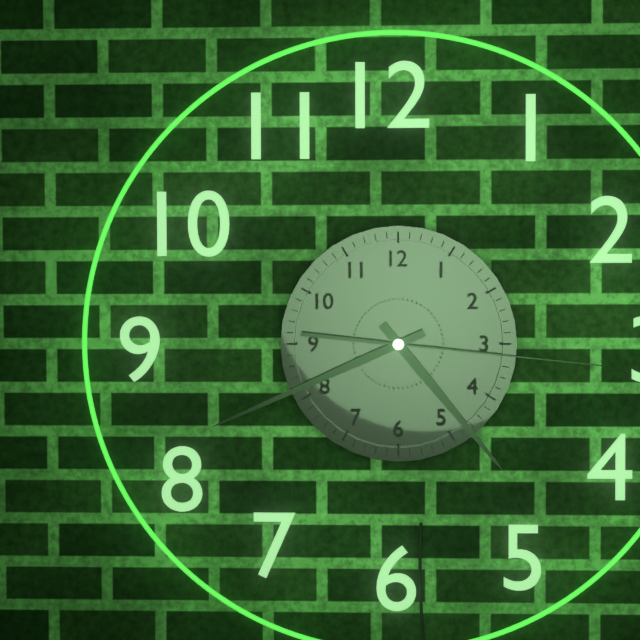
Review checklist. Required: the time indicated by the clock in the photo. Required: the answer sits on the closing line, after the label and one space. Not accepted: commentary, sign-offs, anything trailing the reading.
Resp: 4:41:16
